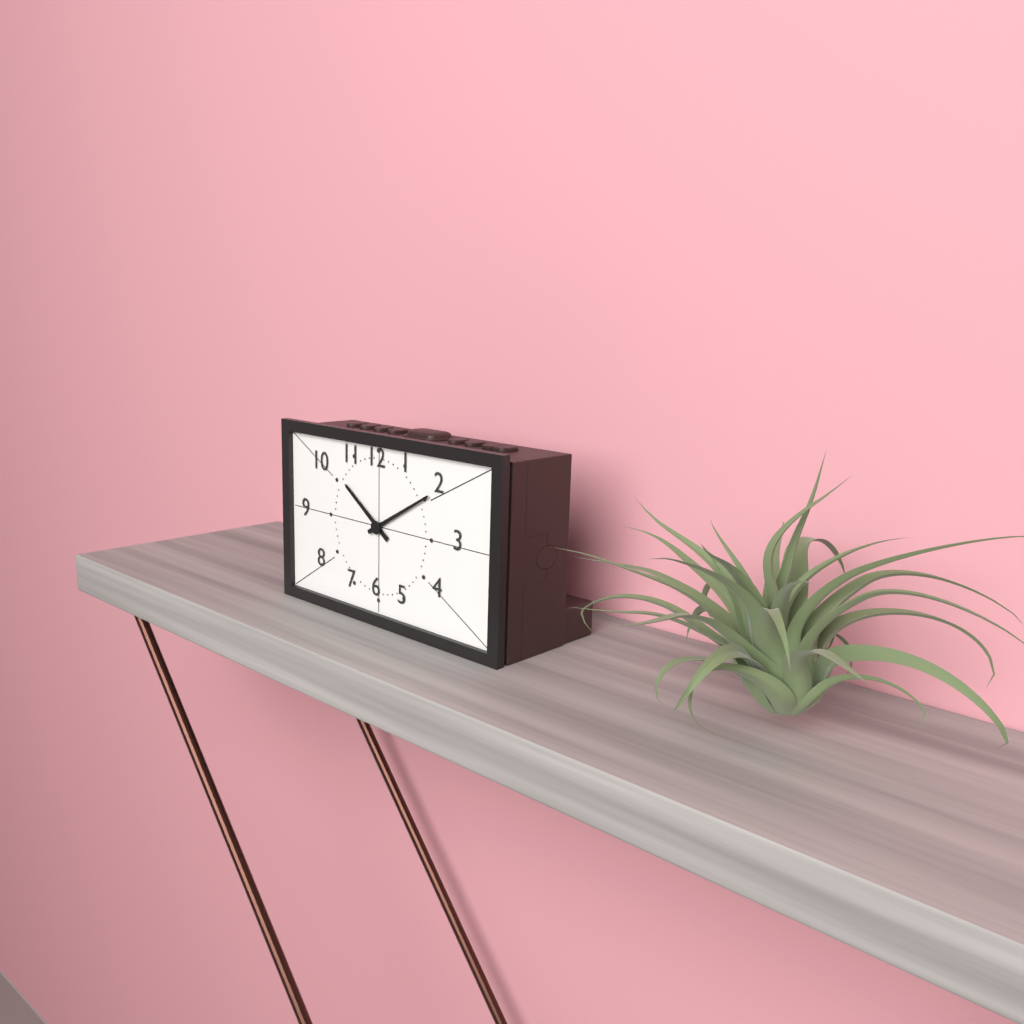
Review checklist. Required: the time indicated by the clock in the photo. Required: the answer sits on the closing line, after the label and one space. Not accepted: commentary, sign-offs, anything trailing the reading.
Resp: 10:10
